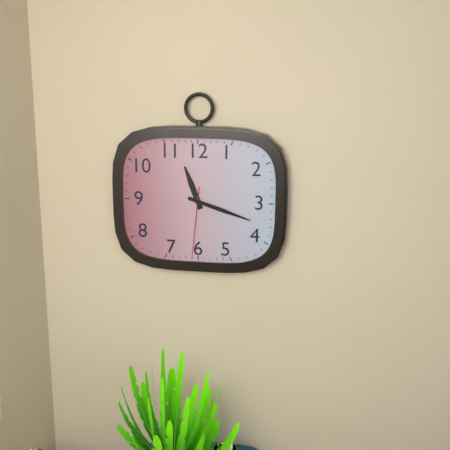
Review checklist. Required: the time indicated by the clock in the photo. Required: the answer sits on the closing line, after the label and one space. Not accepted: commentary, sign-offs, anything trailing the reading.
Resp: 11:18:31
